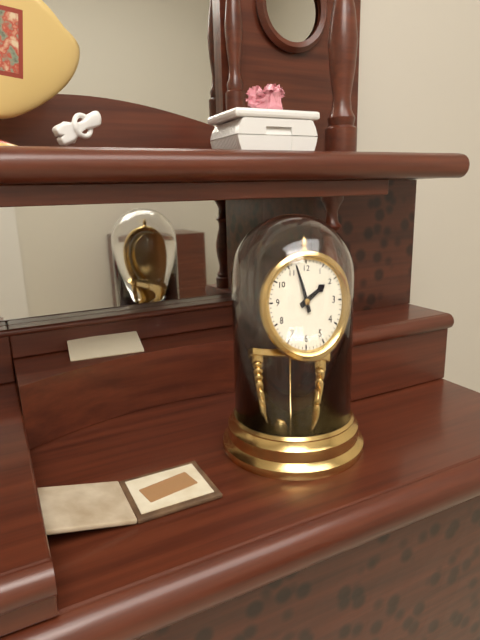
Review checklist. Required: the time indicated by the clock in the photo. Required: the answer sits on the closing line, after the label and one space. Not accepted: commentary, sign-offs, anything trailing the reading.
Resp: 1:57
